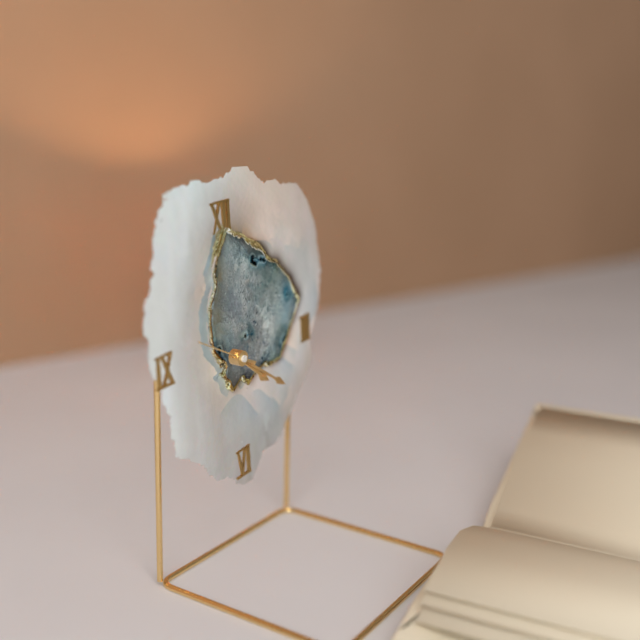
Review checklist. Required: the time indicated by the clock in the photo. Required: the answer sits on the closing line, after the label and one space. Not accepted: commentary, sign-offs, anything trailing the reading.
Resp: 4:21:50
